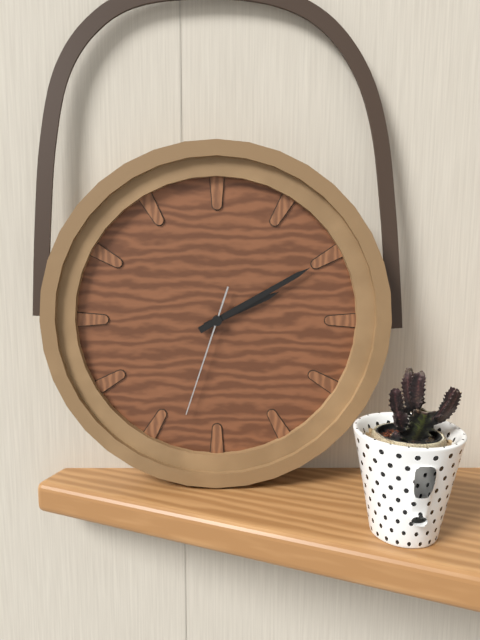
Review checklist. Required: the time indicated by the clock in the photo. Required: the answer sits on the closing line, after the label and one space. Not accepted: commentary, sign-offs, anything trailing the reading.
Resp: 2:10:33
